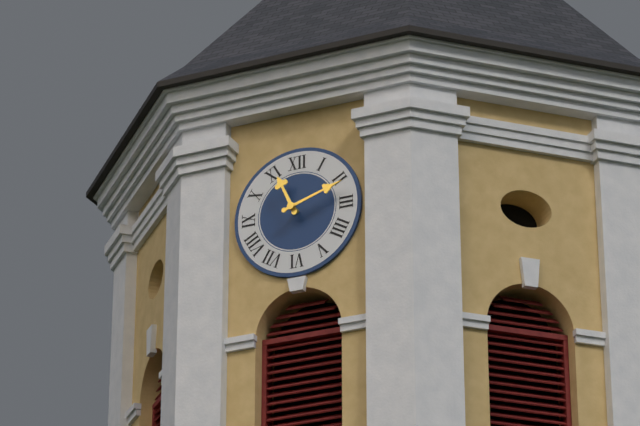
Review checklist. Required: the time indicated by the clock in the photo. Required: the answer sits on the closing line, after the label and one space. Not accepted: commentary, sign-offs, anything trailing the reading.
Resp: 11:12
